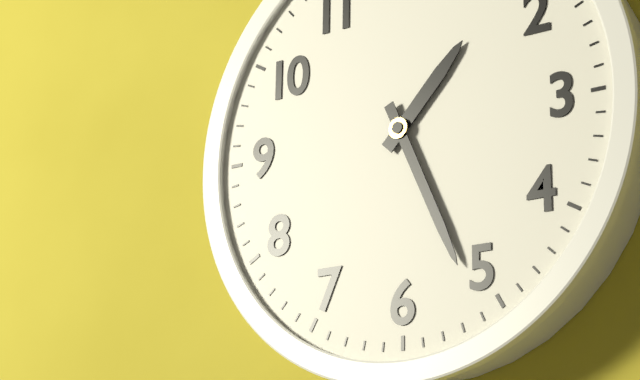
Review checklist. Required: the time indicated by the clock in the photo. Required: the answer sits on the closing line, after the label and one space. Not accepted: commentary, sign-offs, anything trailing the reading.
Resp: 1:26
